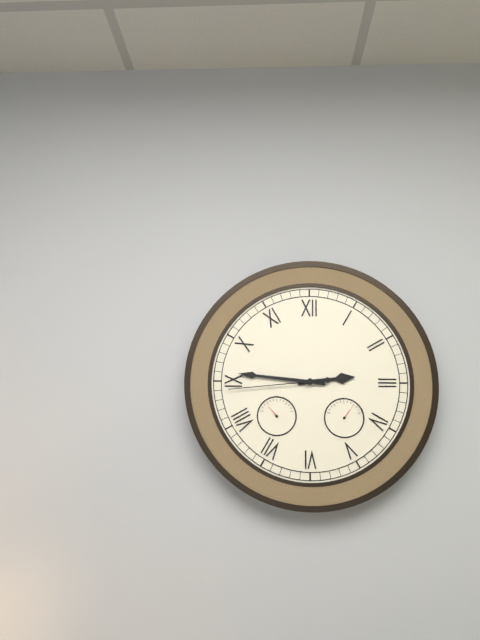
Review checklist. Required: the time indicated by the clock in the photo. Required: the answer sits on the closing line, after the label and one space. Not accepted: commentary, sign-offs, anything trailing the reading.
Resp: 2:46:44
